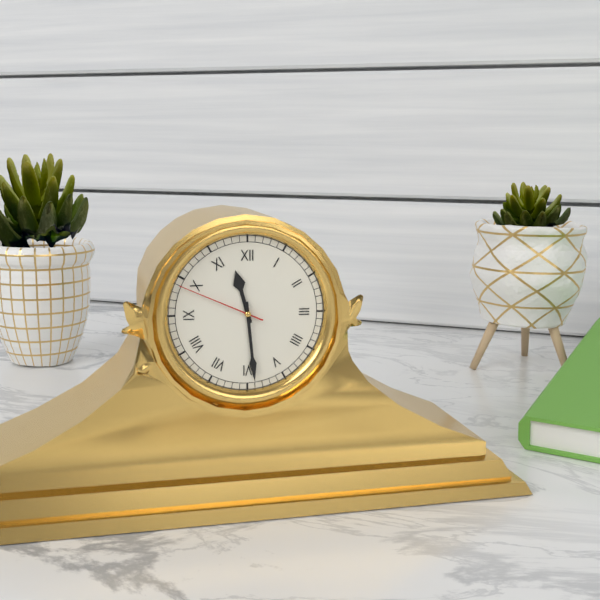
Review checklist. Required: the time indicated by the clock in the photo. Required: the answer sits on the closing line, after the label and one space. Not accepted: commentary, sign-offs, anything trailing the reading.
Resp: 11:29:49
